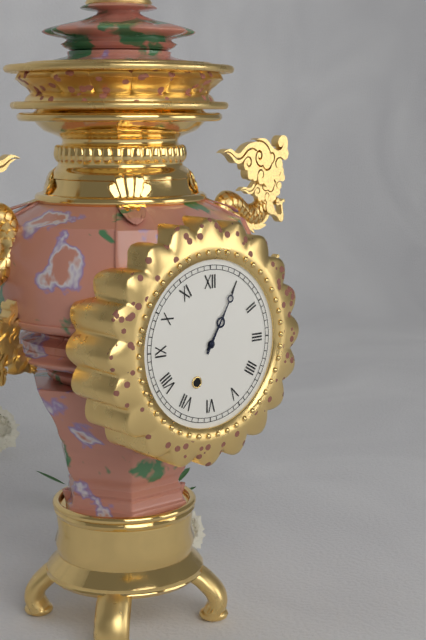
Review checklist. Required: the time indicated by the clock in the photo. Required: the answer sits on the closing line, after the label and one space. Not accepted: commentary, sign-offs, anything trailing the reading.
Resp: 1:05
